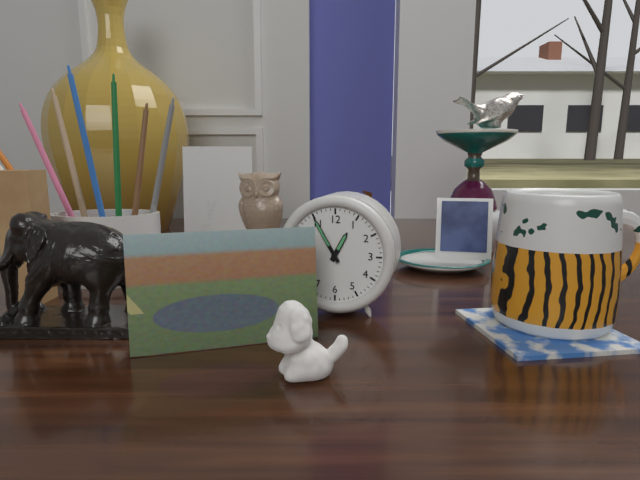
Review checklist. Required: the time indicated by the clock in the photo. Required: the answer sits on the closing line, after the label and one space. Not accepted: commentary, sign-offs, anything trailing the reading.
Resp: 12:55
